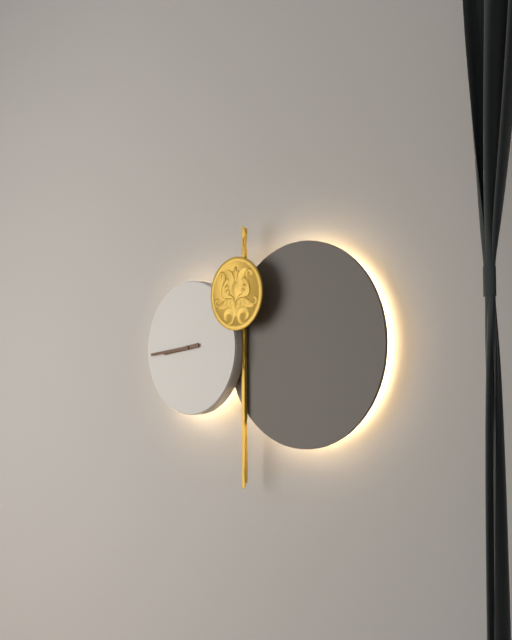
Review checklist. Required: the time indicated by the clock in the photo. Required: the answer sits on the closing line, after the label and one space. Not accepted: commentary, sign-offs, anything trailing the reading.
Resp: 8:44
